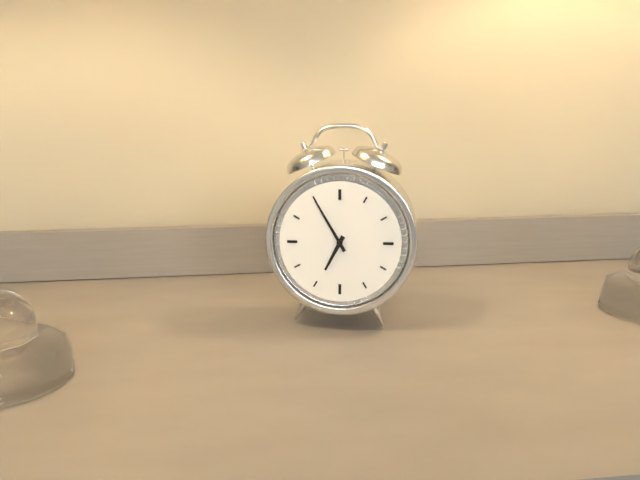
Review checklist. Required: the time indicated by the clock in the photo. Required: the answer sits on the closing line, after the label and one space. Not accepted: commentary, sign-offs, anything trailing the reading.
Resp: 6:55
